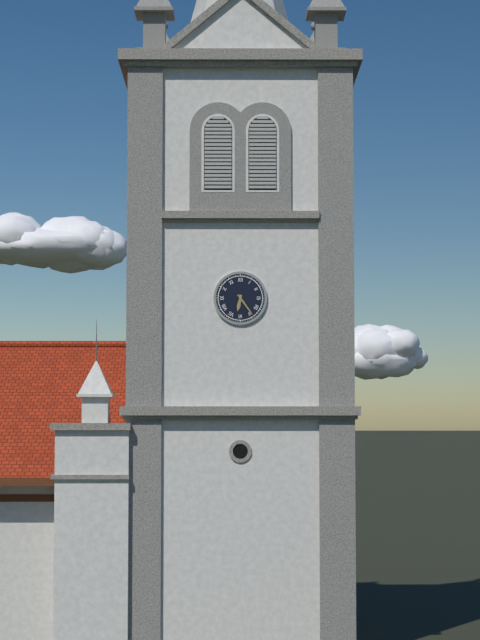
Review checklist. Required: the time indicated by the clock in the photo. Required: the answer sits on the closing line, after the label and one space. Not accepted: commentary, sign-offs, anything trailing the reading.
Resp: 6:24
